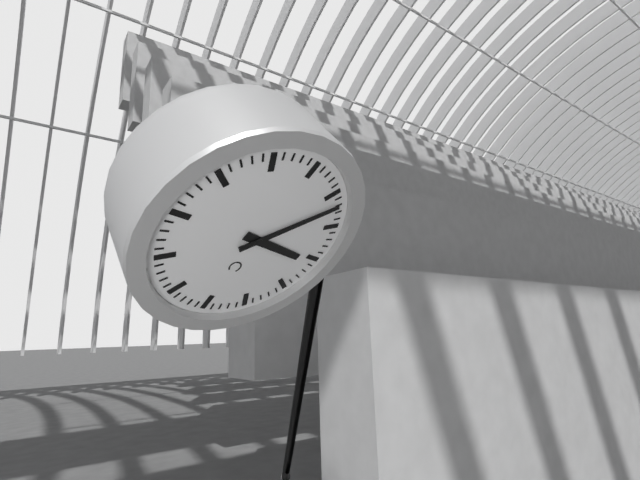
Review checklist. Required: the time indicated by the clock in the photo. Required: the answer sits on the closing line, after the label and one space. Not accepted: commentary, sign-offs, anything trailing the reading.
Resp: 3:07
